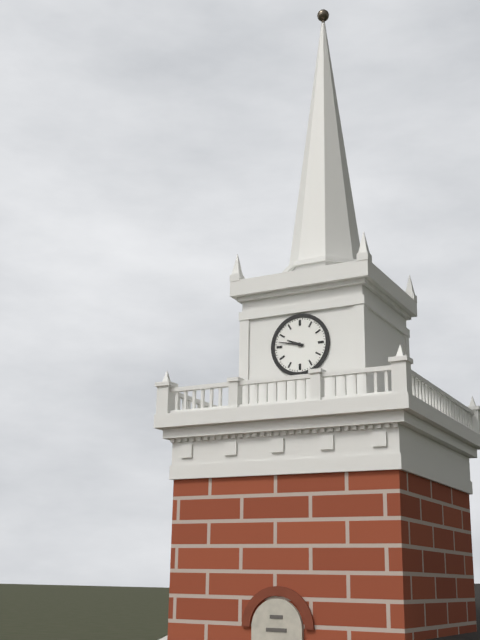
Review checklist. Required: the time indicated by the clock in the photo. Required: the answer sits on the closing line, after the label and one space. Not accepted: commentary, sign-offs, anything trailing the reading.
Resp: 9:47
